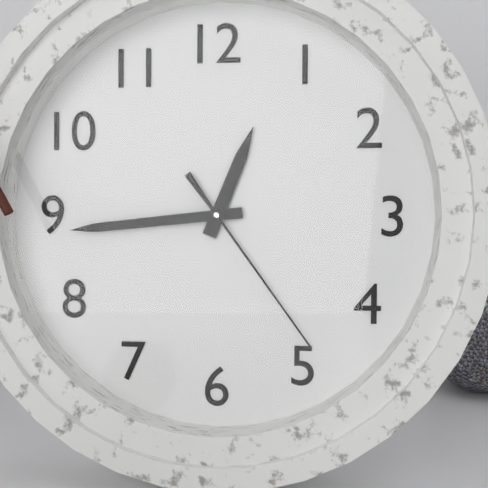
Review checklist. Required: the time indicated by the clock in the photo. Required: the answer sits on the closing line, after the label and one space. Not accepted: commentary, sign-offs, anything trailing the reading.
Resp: 12:44:24
